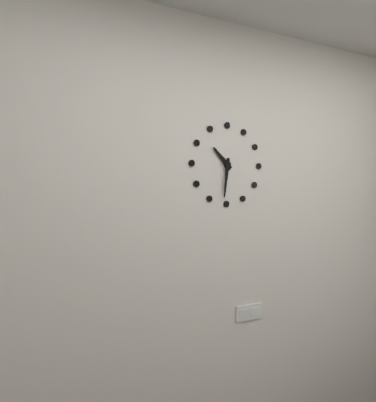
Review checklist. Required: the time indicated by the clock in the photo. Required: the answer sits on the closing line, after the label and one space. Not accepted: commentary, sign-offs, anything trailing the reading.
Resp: 10:31
